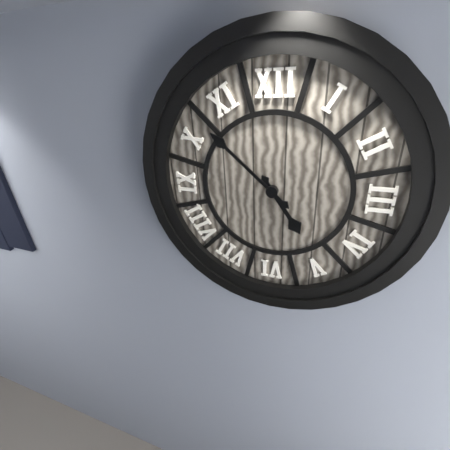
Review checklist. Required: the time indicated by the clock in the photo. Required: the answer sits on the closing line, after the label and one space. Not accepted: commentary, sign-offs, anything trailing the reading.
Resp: 4:52
